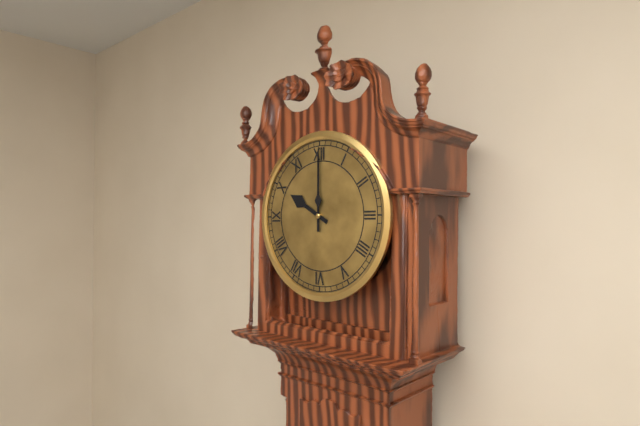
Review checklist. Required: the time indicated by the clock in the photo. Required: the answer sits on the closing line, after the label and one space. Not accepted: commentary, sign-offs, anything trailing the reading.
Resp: 10:00
